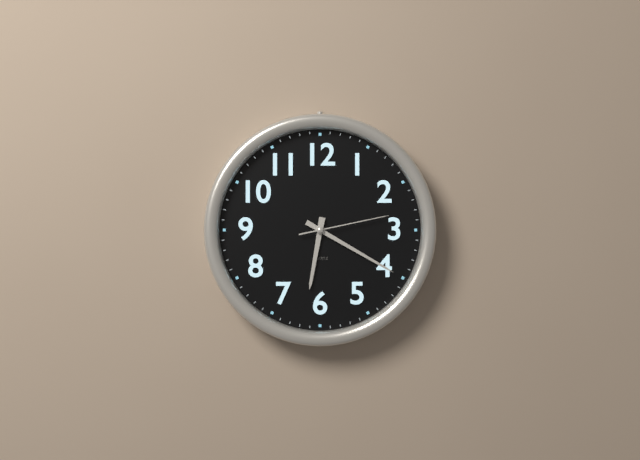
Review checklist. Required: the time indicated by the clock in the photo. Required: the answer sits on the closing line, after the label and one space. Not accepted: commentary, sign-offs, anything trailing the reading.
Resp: 6:20:13
